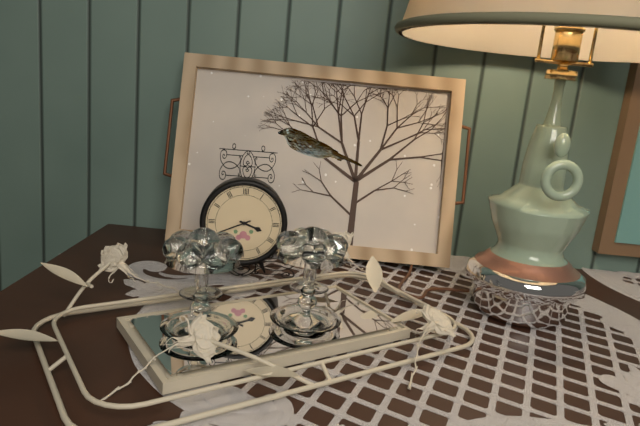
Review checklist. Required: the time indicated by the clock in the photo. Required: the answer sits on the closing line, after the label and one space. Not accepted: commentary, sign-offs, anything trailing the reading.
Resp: 3:41
